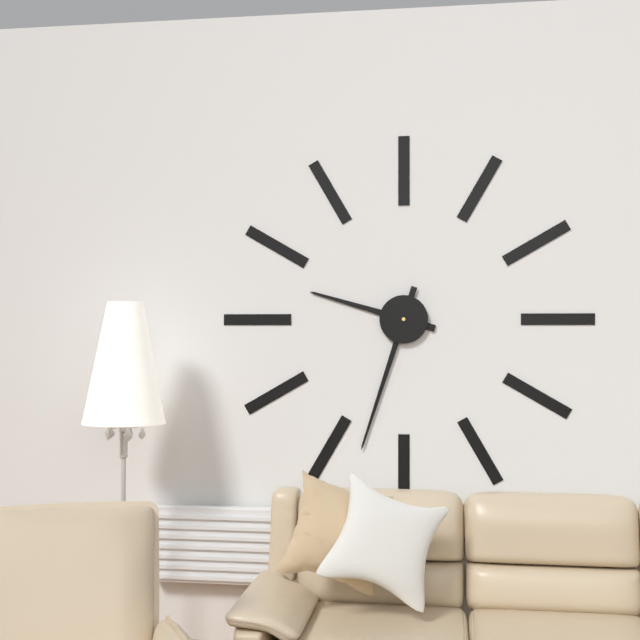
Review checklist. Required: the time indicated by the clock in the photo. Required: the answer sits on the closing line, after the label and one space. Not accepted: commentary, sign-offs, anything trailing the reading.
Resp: 9:33
